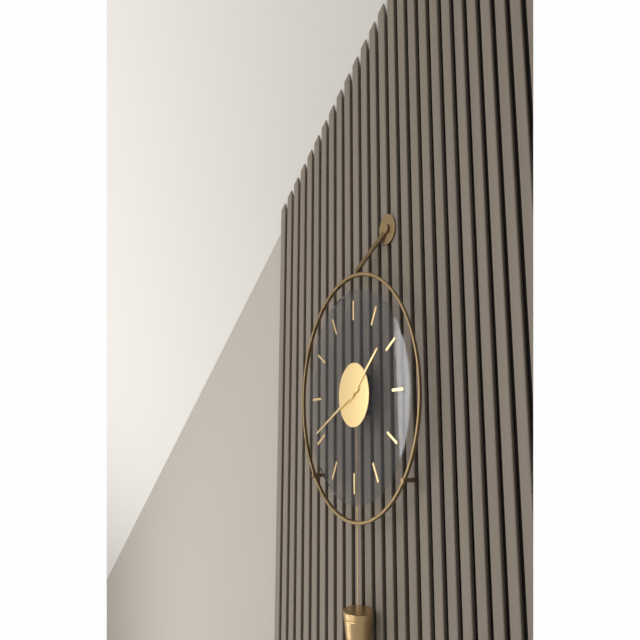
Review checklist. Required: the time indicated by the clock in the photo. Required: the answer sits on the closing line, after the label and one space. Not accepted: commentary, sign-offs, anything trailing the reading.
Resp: 1:41
